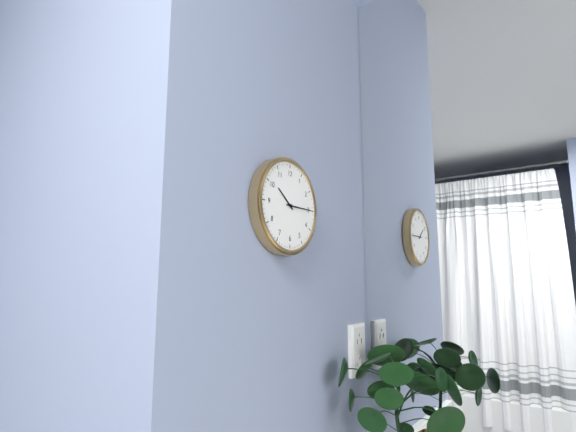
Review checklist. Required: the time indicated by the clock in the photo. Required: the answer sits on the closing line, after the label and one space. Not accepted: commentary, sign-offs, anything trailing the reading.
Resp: 10:15
